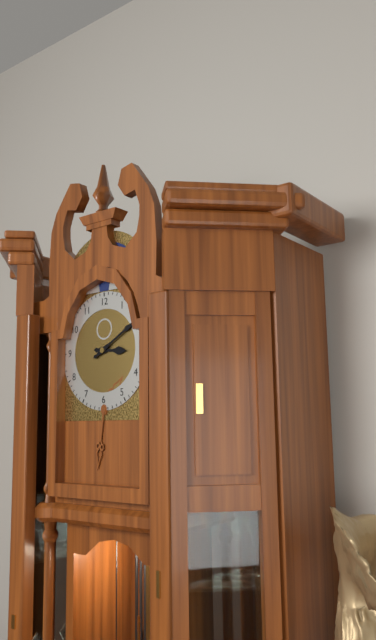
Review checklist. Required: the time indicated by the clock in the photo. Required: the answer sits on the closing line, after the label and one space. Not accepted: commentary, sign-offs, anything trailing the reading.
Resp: 3:10
